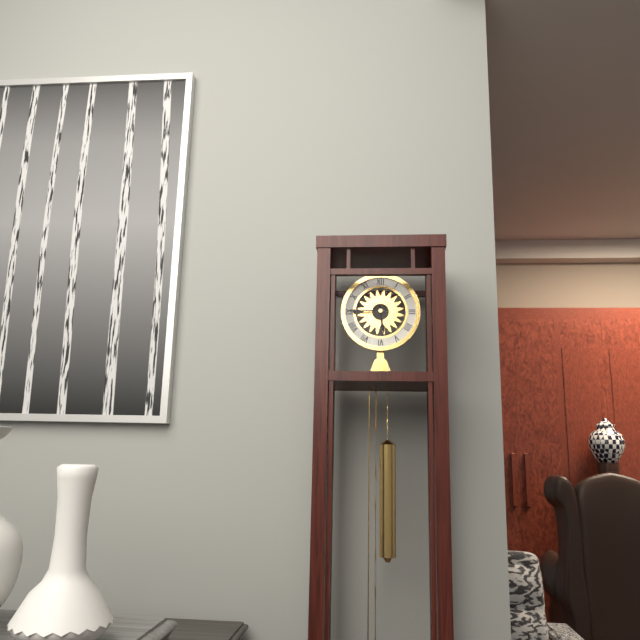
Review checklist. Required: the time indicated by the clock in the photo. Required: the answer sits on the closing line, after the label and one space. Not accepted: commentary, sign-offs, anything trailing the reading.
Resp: 5:45
